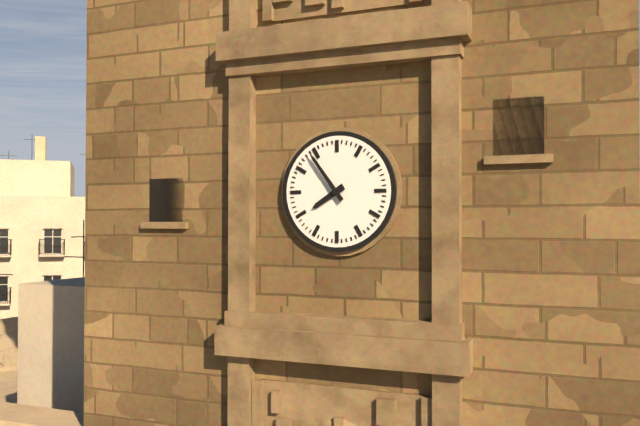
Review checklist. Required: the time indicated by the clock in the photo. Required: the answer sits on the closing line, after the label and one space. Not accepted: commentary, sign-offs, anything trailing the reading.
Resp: 7:54
